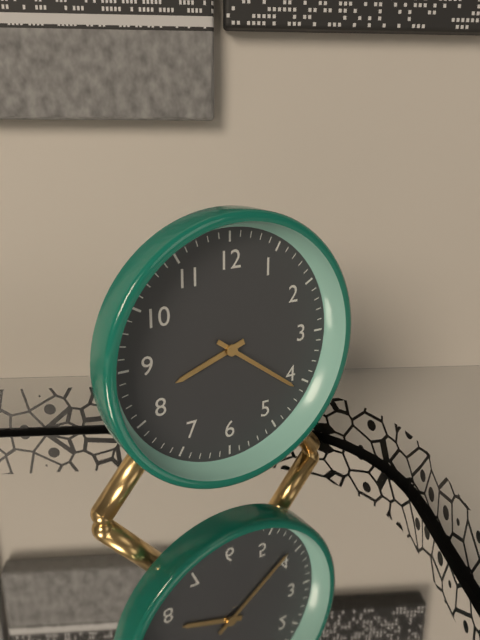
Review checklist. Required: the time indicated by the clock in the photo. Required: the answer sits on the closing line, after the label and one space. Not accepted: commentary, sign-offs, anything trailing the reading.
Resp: 8:21
